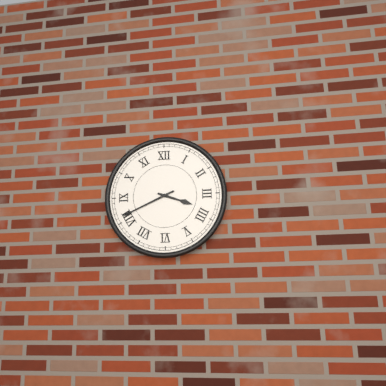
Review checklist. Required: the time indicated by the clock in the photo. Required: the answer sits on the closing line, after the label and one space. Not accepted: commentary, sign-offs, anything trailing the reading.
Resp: 3:41
